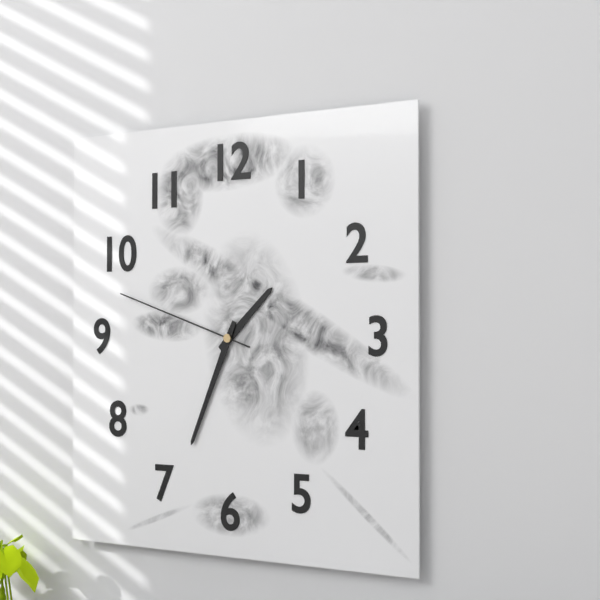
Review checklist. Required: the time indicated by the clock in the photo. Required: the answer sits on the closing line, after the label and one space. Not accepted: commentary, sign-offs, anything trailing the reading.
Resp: 1:34:48
